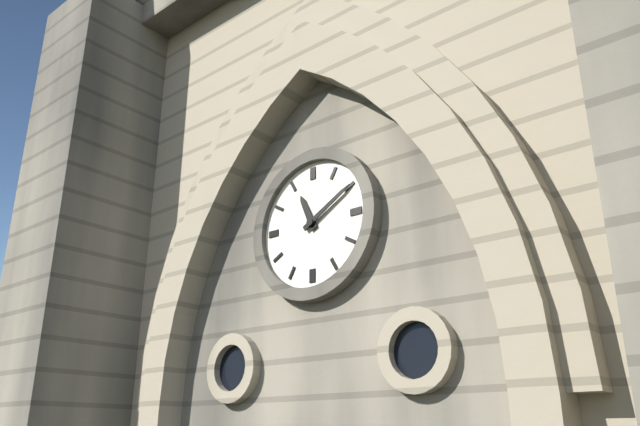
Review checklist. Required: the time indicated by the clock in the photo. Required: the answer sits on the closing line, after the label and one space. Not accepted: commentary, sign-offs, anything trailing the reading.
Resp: 11:10
